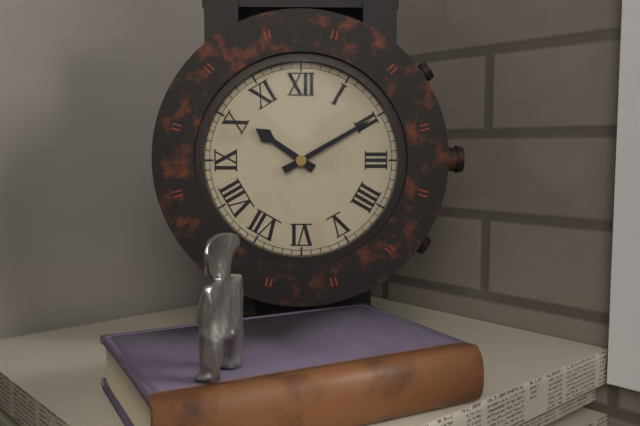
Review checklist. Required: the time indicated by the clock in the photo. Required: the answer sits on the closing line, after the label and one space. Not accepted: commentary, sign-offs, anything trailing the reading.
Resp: 10:10
